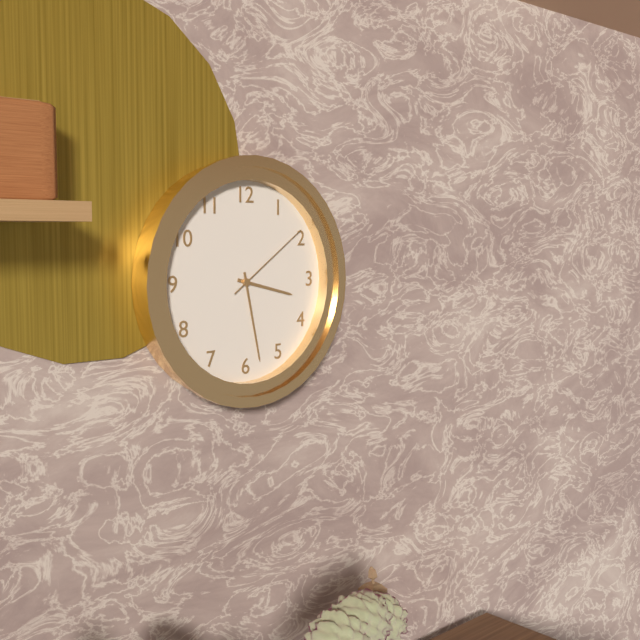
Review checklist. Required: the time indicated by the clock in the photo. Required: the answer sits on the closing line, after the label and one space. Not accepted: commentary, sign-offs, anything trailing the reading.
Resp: 3:28:09
